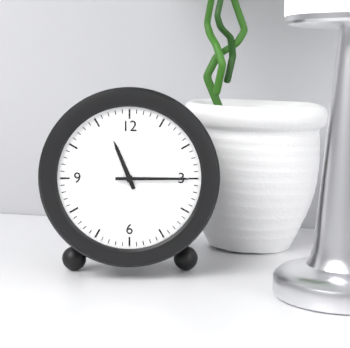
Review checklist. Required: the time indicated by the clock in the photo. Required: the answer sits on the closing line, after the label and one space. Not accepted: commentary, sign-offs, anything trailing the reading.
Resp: 11:15
